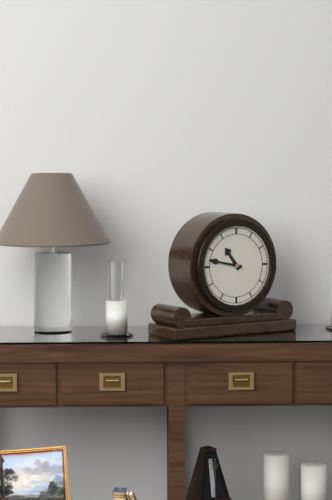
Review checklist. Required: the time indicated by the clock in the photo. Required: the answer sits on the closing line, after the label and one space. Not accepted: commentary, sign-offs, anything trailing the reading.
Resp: 10:47
